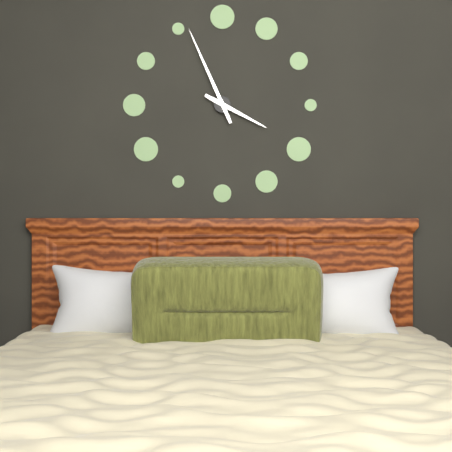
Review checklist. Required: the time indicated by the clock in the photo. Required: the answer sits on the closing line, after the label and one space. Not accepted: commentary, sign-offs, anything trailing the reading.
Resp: 3:56
